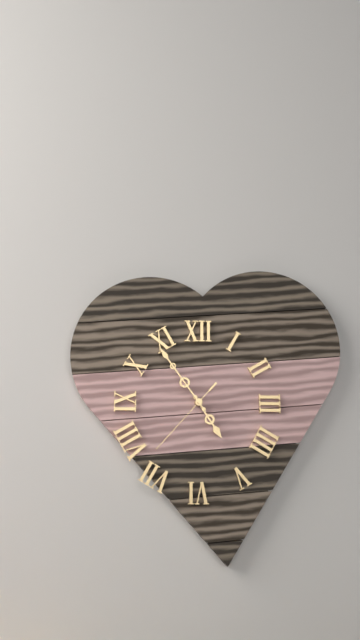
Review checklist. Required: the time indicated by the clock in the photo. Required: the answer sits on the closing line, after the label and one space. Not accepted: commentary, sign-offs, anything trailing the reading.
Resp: 4:54:37
